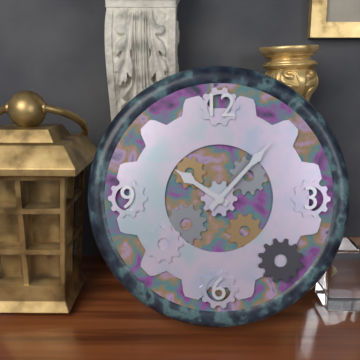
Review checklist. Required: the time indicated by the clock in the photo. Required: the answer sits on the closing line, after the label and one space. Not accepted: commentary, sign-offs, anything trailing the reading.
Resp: 10:07
